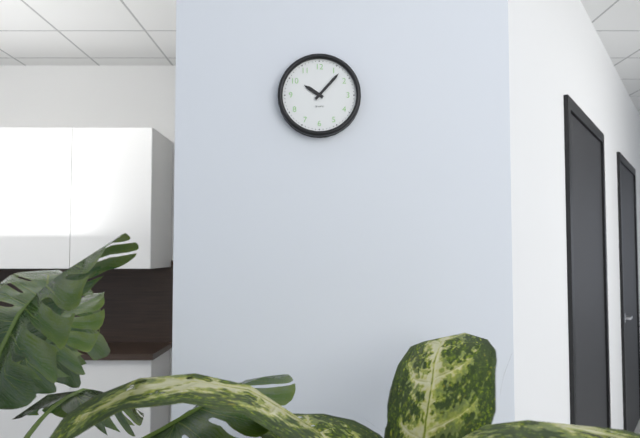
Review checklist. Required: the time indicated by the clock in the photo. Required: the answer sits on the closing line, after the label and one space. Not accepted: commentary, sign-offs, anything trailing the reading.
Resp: 10:07
